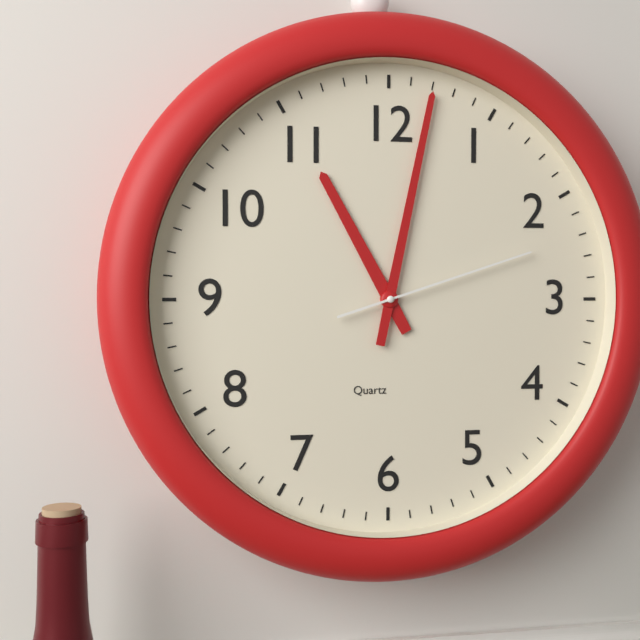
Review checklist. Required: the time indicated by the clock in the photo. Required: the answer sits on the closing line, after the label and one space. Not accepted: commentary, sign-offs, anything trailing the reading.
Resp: 11:02:12
